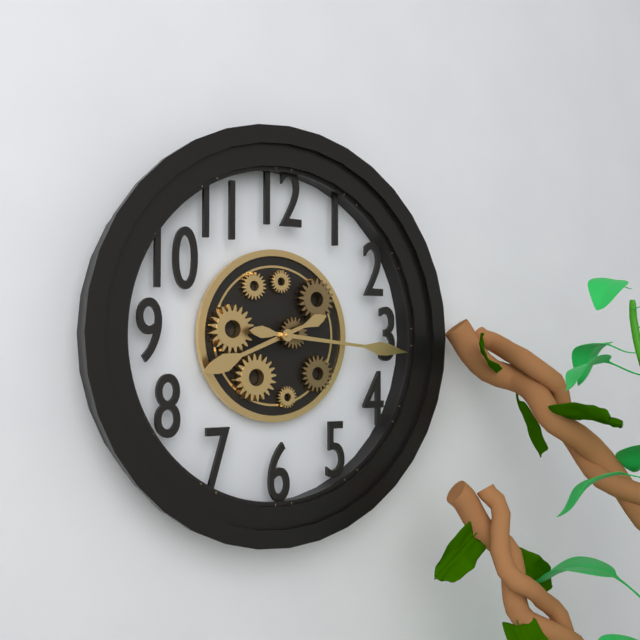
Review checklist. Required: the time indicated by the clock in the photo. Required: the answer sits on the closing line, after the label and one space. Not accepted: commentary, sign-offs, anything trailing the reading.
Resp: 8:16
